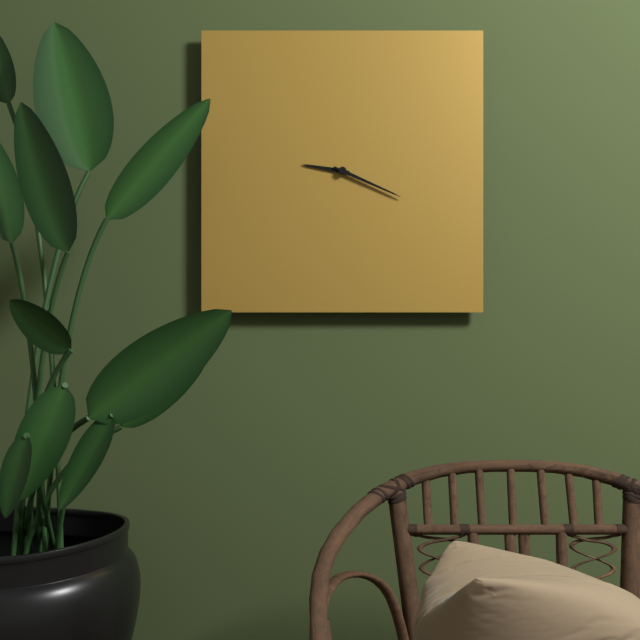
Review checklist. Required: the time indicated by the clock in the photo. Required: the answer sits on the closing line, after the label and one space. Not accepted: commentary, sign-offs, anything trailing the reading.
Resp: 9:19
